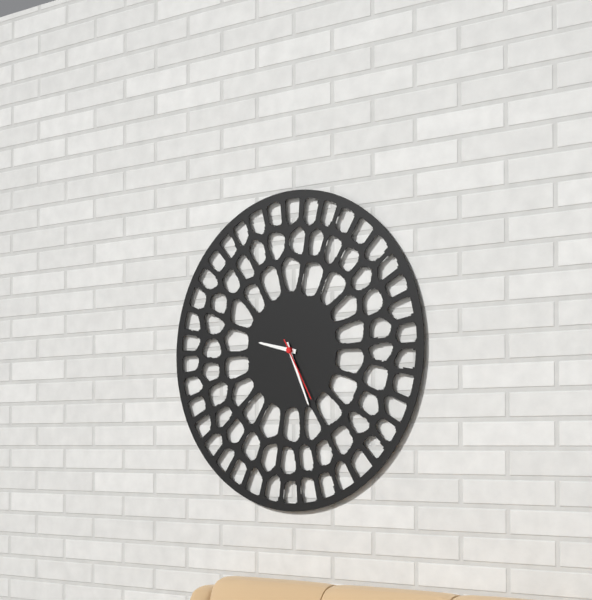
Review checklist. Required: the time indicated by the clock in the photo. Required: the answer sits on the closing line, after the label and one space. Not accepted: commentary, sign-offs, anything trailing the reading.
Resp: 9:26:25
